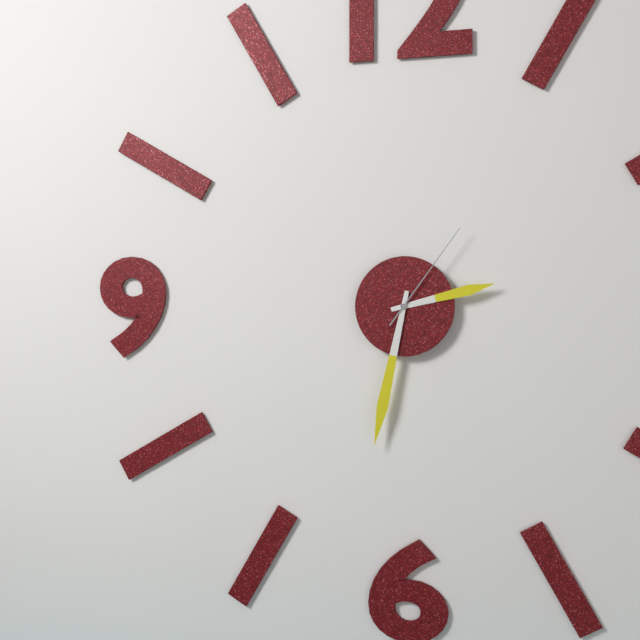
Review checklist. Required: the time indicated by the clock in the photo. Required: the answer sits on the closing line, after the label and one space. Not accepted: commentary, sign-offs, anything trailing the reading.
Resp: 2:32:06
